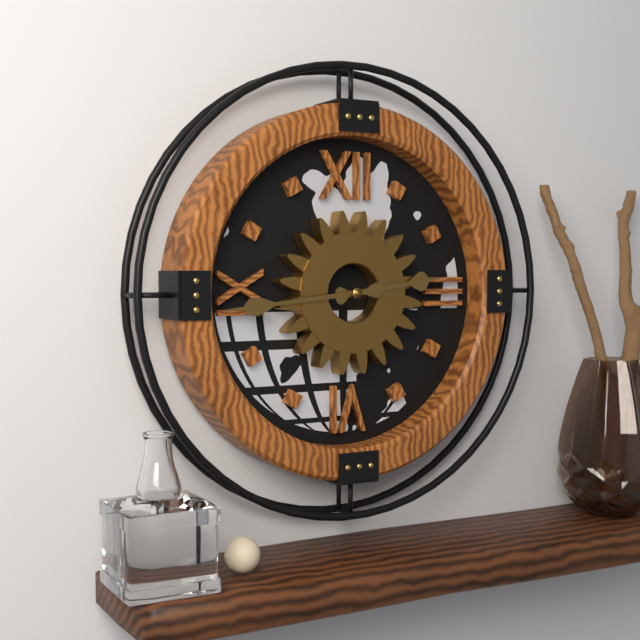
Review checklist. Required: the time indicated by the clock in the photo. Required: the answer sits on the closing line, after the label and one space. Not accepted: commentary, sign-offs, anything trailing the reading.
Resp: 2:44
